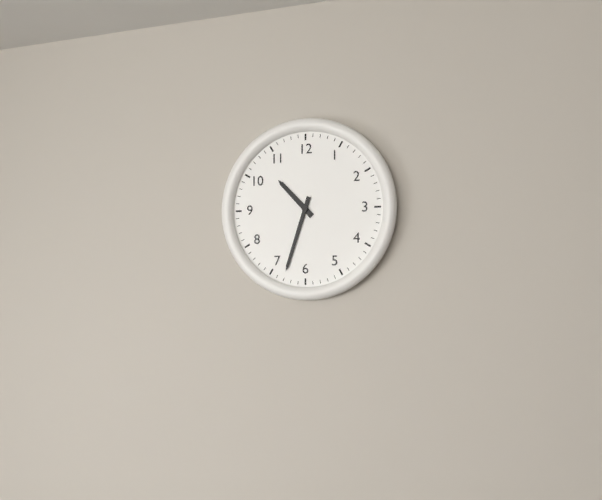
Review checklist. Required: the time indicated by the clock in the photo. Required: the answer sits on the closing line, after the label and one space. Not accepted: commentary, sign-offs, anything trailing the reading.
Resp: 10:33
